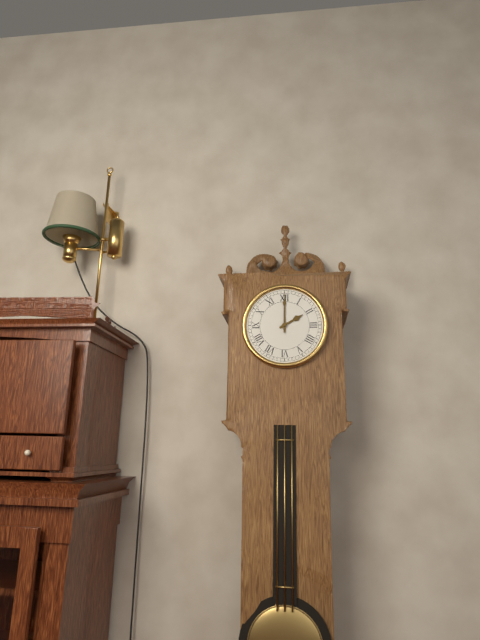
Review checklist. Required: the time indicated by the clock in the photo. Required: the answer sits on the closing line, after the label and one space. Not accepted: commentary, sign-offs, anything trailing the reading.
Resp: 2:00
